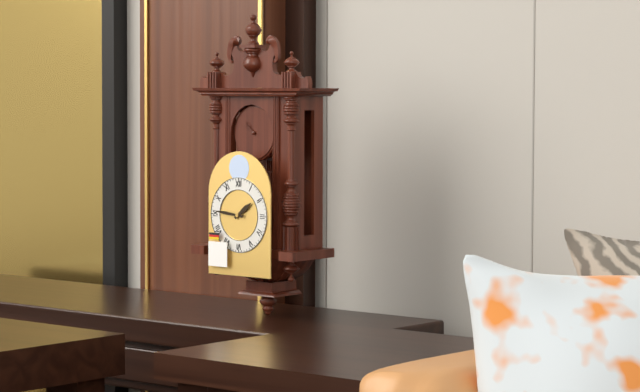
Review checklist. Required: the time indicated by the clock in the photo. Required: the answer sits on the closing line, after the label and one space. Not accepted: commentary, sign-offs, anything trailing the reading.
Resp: 1:46
